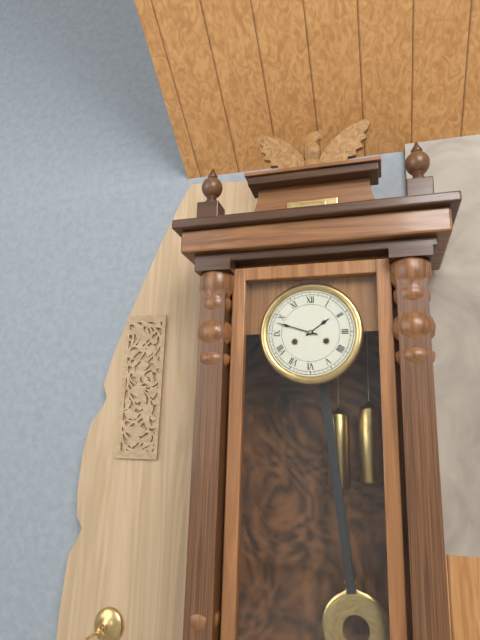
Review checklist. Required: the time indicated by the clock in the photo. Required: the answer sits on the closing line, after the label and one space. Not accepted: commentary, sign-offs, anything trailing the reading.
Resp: 1:48
